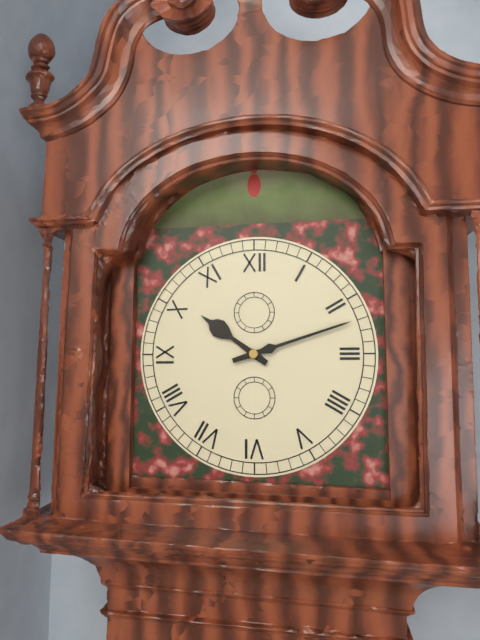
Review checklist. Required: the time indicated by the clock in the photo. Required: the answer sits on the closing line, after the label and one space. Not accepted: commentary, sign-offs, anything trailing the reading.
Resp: 10:12
